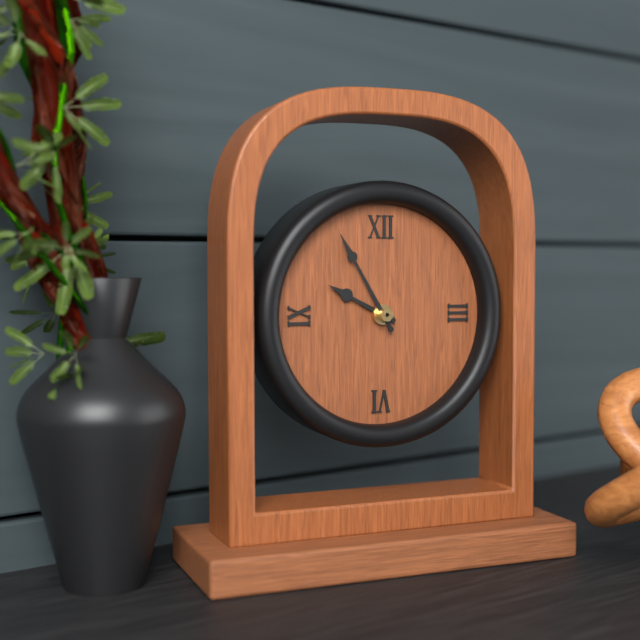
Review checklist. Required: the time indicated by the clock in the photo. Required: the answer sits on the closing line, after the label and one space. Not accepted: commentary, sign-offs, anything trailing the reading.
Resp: 9:55
